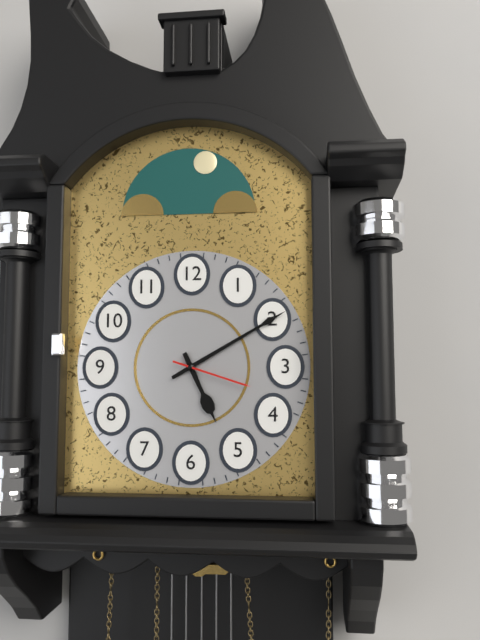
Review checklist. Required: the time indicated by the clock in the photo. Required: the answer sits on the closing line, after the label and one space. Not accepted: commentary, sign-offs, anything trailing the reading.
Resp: 5:10:18
